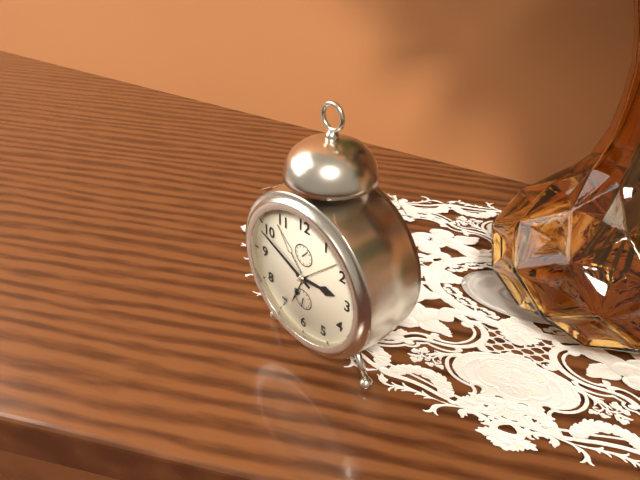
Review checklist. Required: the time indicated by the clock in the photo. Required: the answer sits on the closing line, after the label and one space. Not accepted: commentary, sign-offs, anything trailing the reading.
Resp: 2:49
